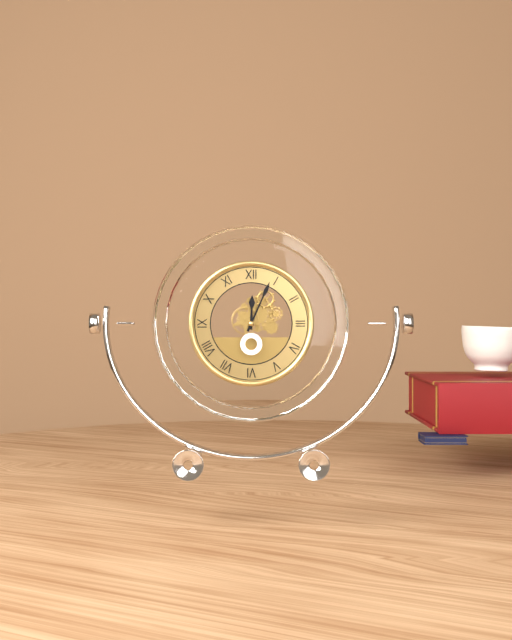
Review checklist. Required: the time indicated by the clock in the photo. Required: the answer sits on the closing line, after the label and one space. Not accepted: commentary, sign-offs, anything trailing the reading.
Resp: 12:04
